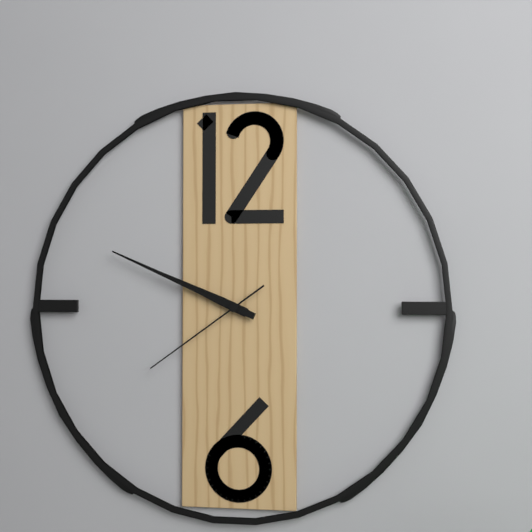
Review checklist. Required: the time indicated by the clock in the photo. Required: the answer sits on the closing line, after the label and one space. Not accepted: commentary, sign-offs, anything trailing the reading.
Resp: 9:49:39
